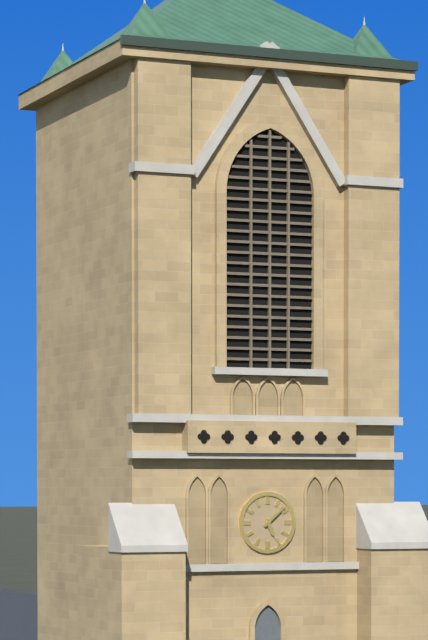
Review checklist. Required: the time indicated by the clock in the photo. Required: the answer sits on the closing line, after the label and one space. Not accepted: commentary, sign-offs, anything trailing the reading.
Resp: 5:08
